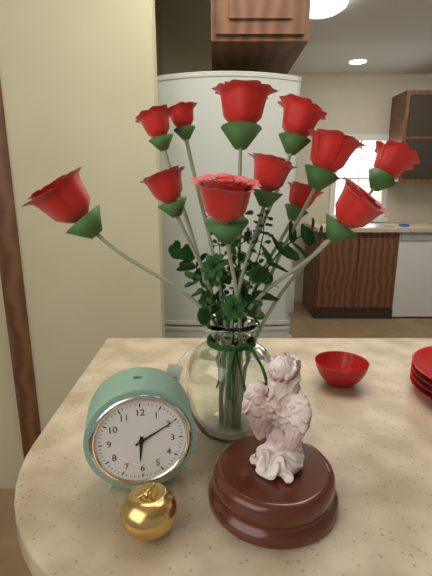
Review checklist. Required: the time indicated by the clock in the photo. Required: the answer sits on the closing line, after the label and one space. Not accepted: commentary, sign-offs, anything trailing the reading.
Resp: 6:10
